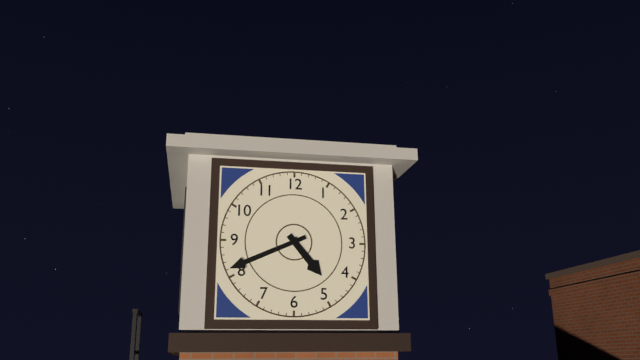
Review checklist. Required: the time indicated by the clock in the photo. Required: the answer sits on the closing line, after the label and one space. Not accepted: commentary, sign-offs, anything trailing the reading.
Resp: 4:41
